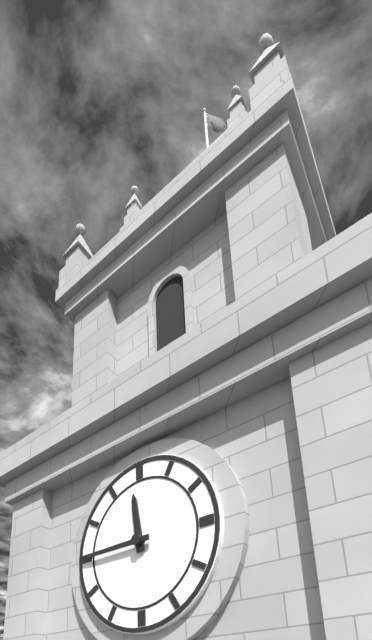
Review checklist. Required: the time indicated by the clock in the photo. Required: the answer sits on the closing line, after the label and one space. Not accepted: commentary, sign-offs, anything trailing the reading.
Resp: 11:45
